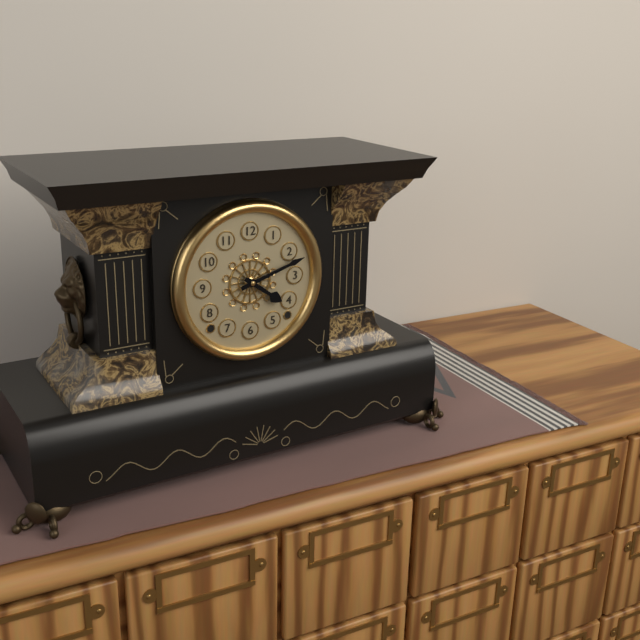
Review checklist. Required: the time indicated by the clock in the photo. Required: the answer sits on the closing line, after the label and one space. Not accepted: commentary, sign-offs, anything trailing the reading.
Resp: 4:12
